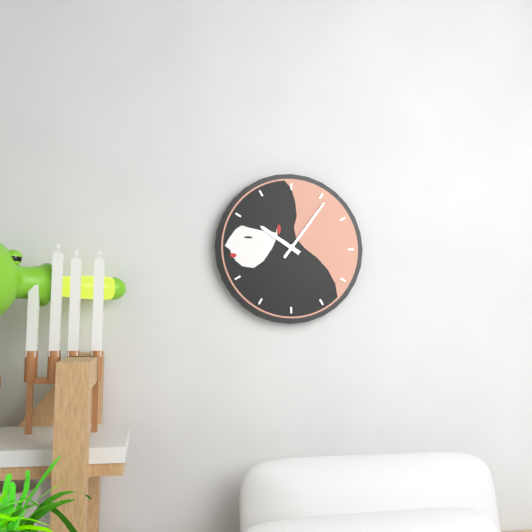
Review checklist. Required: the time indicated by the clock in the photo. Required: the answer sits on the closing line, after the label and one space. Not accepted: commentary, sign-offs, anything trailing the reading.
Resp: 10:06
